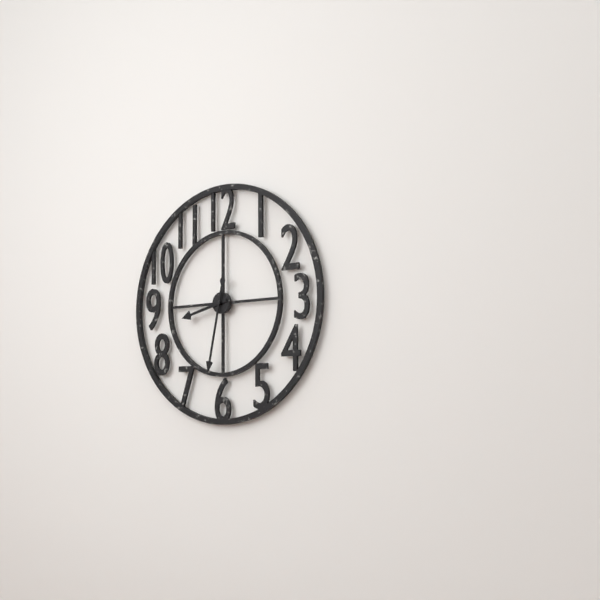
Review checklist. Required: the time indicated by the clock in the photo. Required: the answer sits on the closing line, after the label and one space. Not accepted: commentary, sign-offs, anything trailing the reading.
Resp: 8:32
